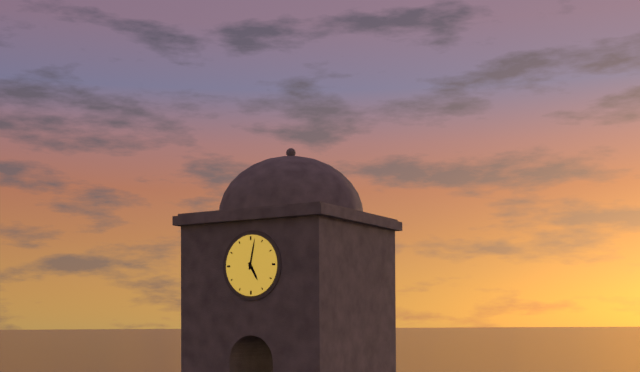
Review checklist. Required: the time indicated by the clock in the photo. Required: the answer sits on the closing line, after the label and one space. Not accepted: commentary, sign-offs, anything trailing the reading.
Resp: 5:02
